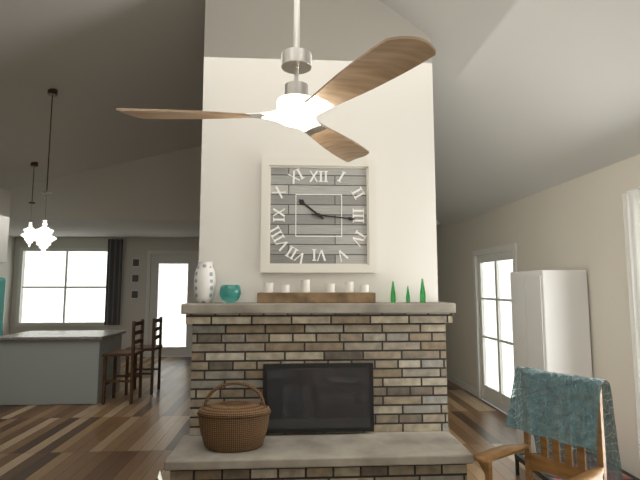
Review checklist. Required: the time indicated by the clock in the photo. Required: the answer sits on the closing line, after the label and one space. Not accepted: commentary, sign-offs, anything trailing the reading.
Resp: 10:16
